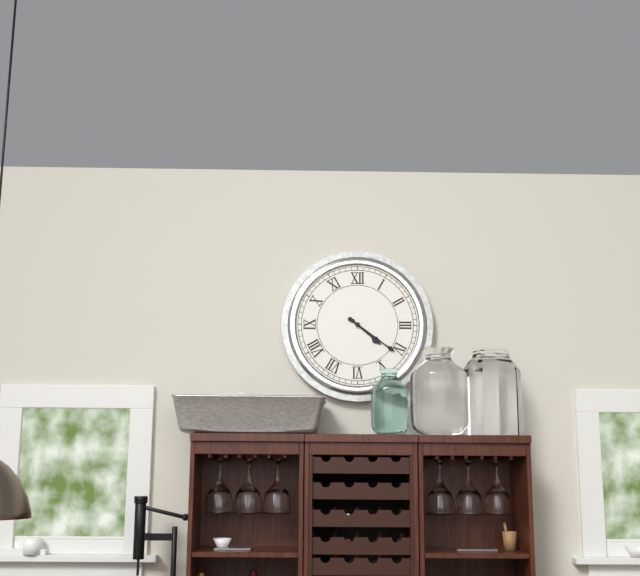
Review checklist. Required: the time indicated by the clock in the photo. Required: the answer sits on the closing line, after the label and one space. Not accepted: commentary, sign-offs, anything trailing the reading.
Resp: 4:21
